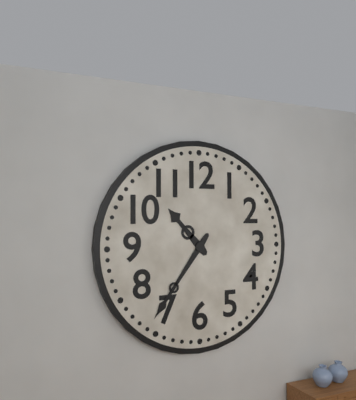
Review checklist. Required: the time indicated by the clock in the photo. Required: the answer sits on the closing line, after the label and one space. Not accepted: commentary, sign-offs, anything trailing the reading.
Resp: 10:36
